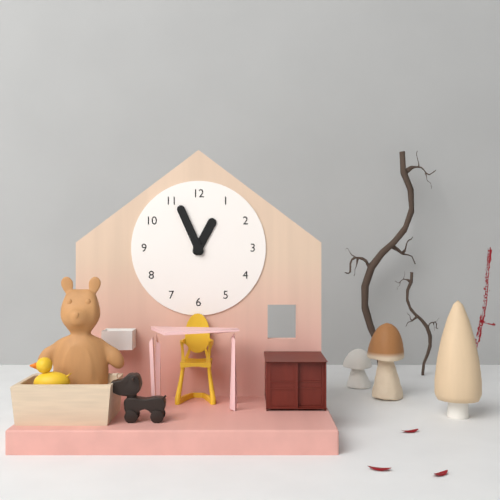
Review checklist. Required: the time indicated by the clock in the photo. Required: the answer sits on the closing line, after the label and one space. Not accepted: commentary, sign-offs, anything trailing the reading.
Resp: 12:56
